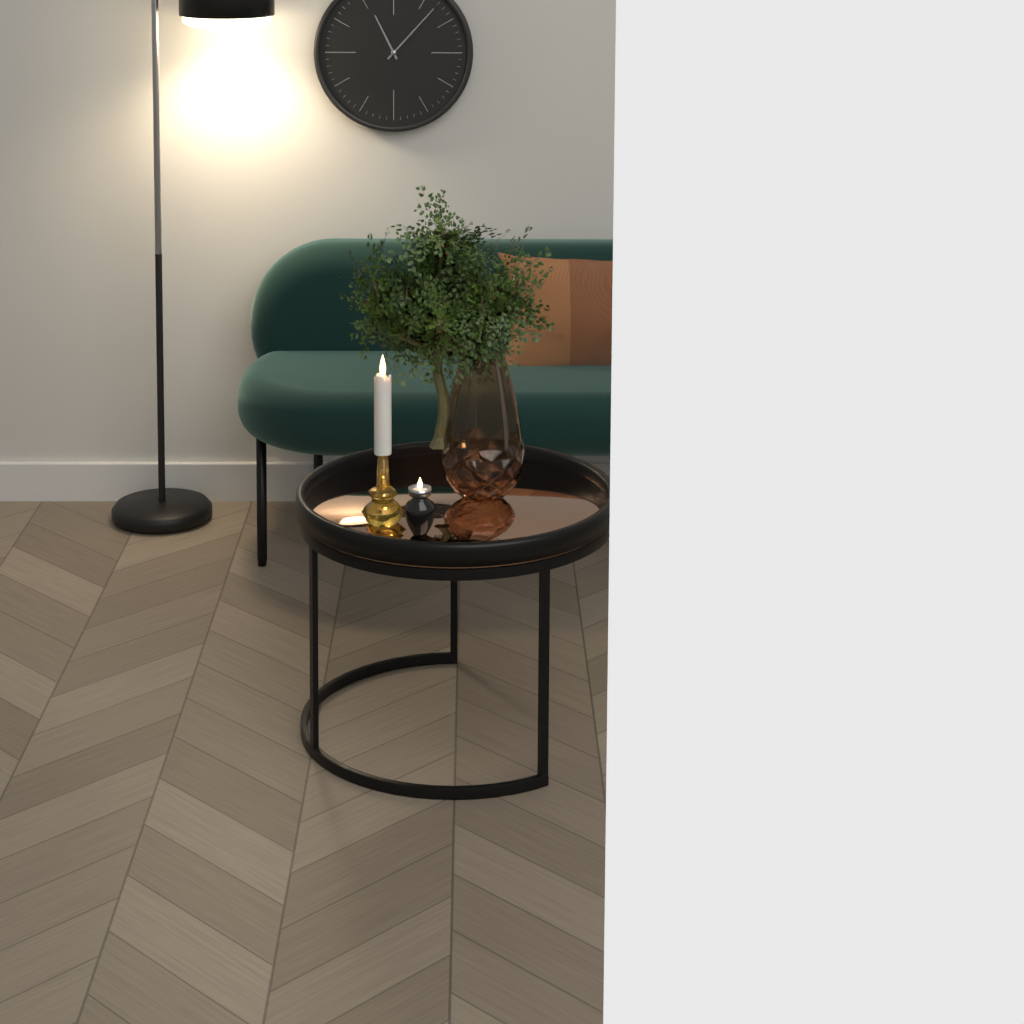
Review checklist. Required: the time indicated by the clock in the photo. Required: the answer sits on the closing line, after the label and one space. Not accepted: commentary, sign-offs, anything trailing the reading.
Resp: 11:07
